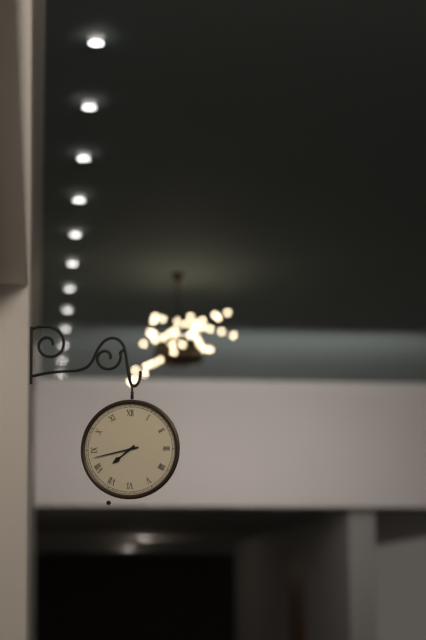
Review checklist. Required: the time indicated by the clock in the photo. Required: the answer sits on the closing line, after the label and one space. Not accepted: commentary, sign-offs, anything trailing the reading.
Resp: 7:43
